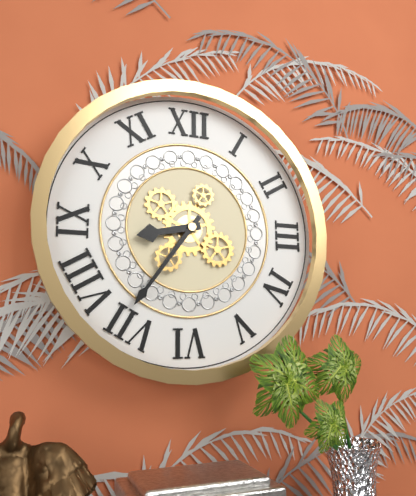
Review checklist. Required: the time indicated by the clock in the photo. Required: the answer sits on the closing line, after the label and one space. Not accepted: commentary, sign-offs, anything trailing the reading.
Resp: 8:36
